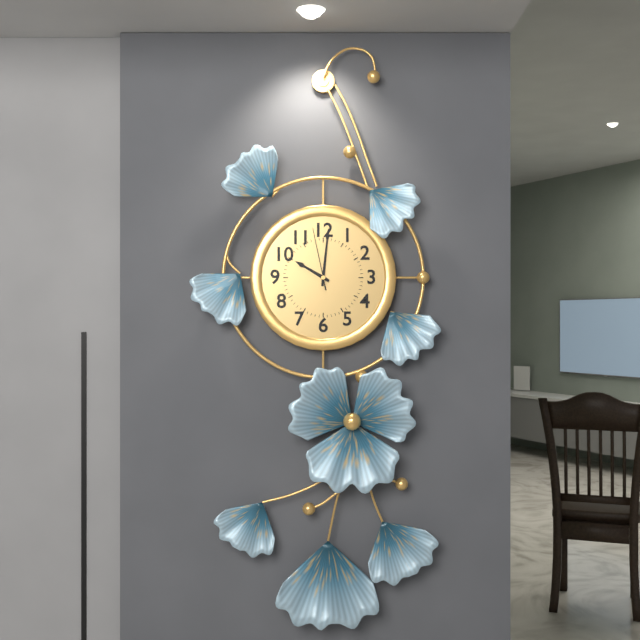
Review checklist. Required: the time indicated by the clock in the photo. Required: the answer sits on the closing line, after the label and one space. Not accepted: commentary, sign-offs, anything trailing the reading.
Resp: 10:01:58
